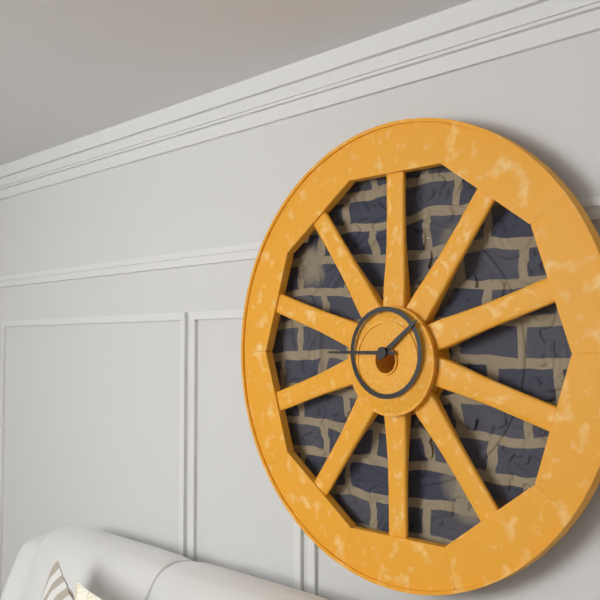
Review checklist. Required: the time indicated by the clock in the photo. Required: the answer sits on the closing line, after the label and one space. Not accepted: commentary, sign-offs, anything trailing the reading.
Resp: 1:45
